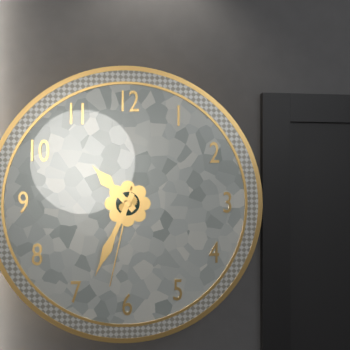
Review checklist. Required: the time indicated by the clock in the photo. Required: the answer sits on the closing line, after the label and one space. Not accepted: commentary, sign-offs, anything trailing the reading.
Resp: 10:34:32
